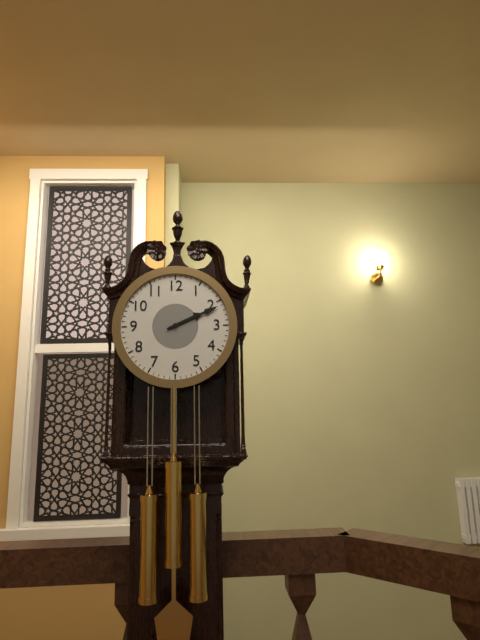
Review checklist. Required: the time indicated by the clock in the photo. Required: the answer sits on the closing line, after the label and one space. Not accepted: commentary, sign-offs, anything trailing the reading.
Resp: 2:11
